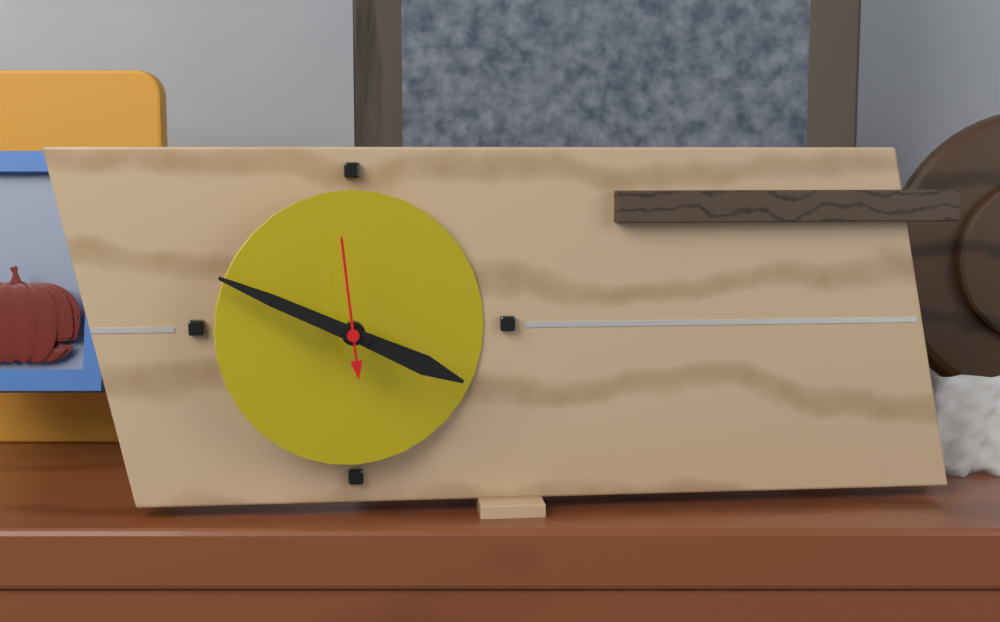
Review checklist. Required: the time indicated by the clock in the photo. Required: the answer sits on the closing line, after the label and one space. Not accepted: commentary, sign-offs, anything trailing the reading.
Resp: 3:49:59
